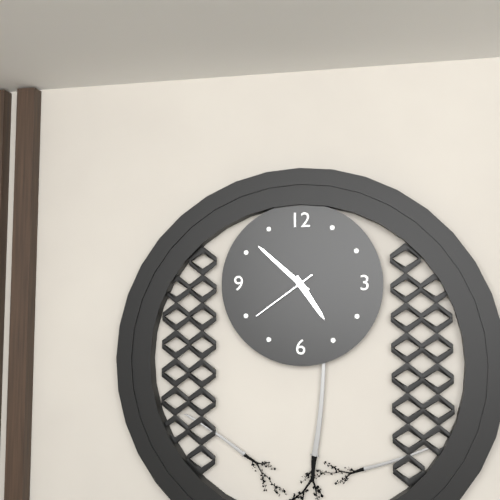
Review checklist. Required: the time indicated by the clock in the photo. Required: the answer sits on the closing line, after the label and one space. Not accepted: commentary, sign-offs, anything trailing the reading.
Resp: 4:52:39
